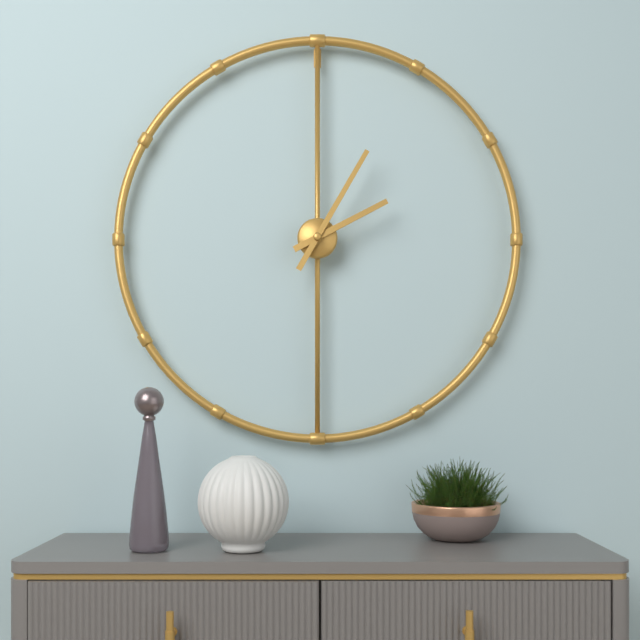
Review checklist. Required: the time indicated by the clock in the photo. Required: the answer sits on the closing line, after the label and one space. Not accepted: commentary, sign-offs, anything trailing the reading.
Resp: 2:05
